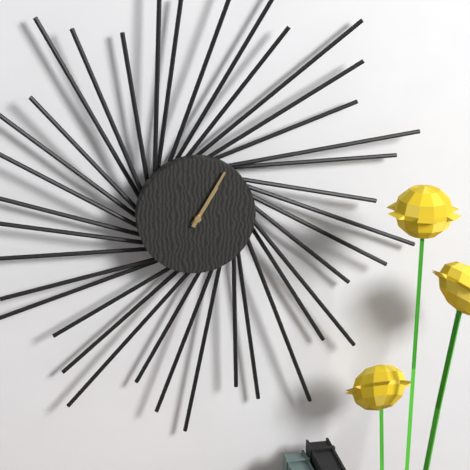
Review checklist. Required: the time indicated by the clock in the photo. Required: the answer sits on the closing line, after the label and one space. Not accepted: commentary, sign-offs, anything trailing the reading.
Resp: 1:05
